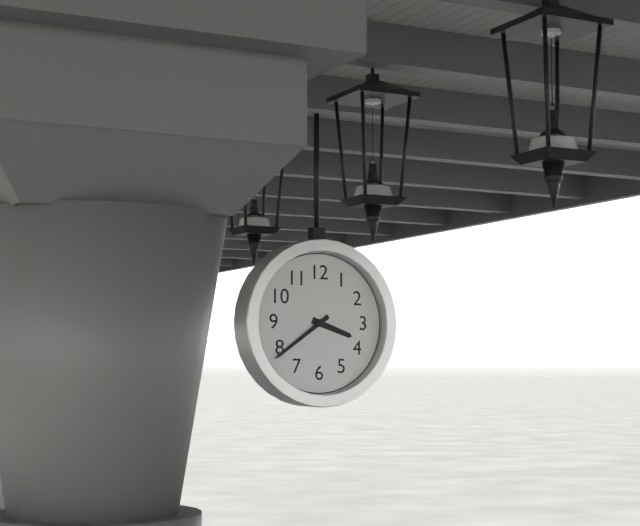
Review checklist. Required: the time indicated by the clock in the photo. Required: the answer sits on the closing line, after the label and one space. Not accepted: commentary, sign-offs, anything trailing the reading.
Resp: 3:39
